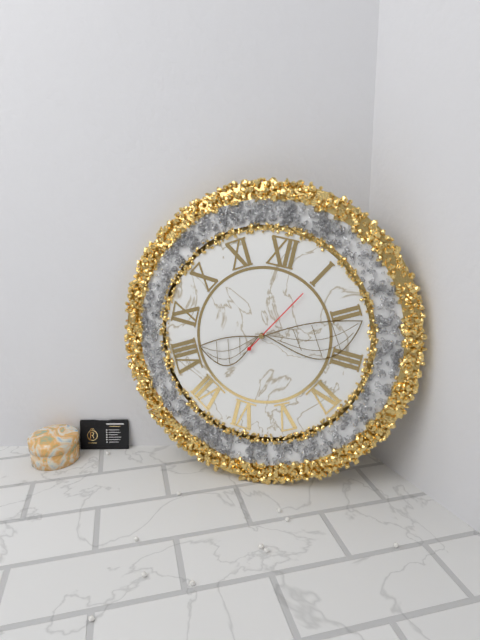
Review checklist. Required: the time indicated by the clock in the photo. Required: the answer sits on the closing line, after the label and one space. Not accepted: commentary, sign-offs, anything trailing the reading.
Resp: 8:11:05
